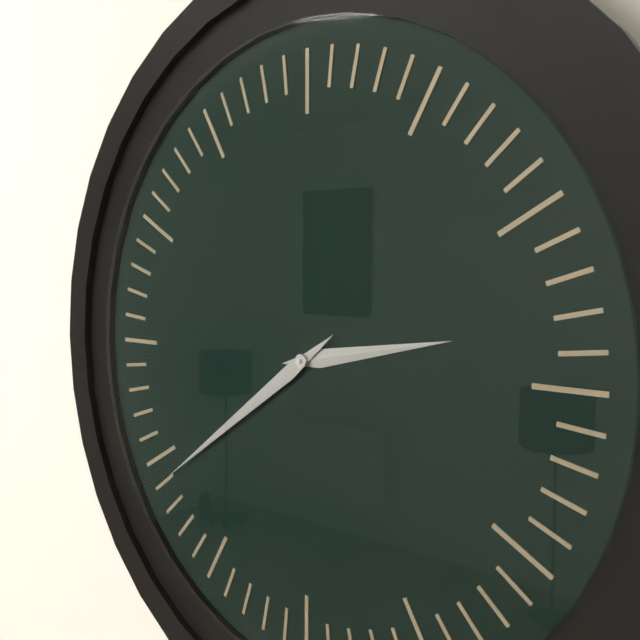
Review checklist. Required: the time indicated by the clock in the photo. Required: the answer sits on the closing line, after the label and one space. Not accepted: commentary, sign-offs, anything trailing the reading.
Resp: 2:39
